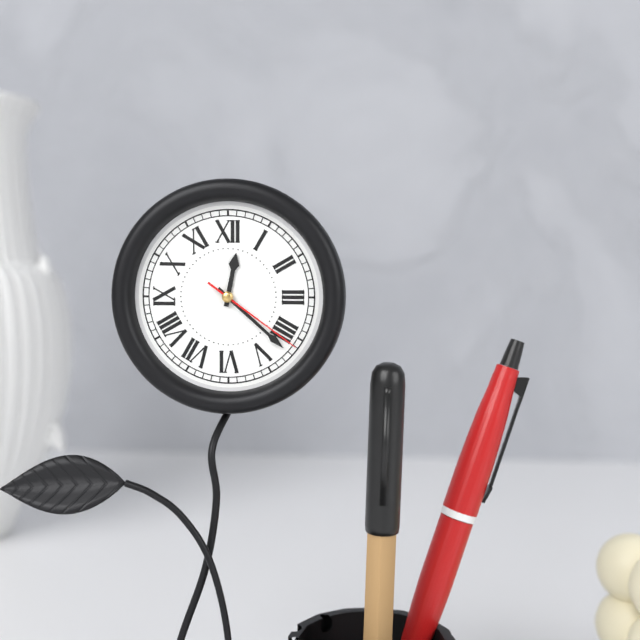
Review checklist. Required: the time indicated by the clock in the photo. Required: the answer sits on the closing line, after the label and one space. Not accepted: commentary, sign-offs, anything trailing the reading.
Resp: 12:22:21
